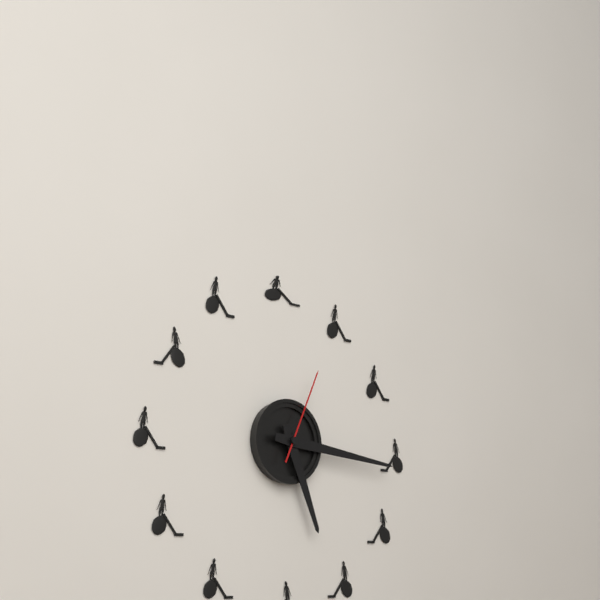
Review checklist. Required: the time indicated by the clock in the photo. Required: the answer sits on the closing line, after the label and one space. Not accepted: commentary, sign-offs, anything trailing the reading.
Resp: 5:16:04
